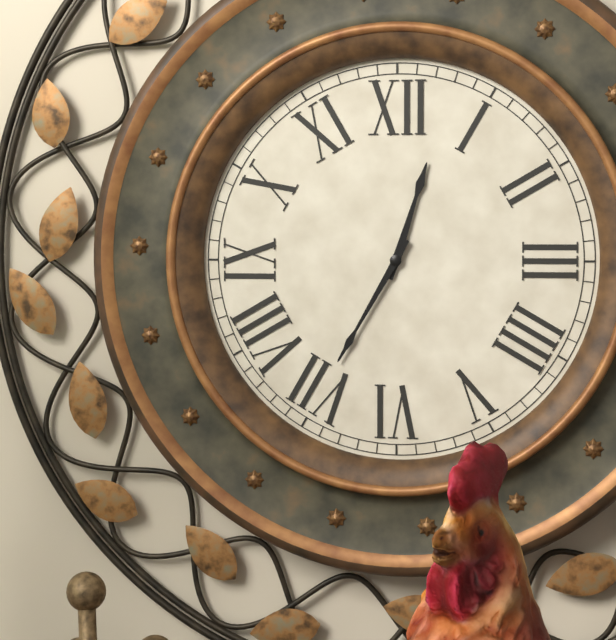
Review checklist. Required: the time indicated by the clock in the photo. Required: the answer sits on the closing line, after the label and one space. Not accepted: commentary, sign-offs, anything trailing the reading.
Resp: 12:35
